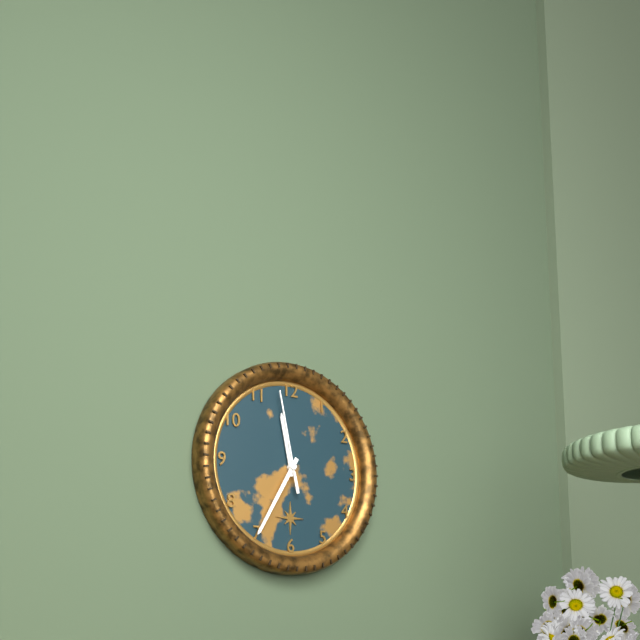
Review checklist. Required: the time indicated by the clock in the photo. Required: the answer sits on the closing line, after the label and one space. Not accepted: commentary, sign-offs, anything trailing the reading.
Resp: 11:35:58
